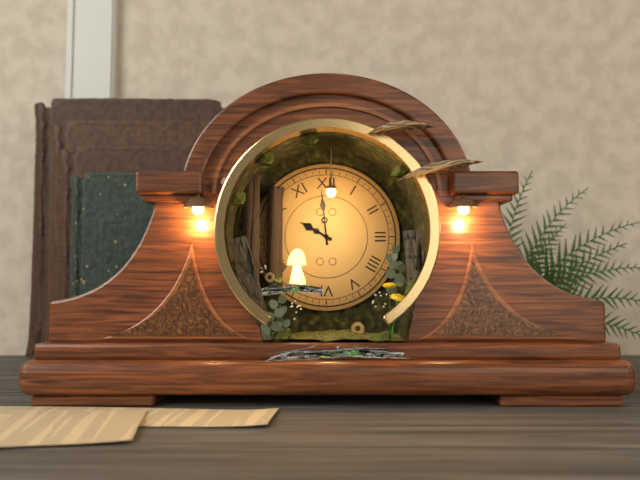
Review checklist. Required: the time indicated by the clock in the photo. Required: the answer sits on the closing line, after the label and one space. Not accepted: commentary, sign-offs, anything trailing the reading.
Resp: 9:59
